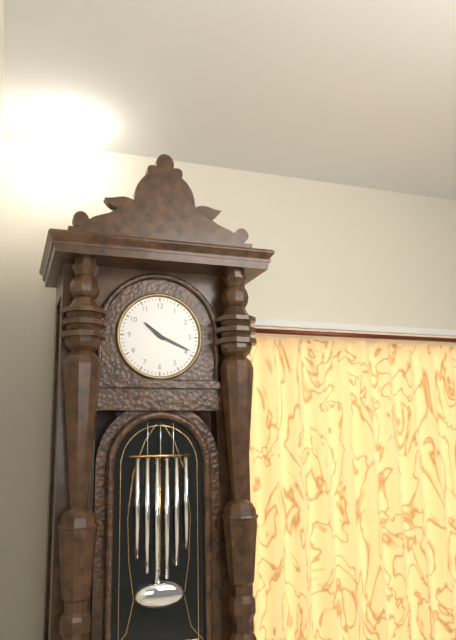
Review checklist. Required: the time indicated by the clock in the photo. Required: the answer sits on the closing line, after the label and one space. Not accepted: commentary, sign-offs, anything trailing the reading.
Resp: 10:19
